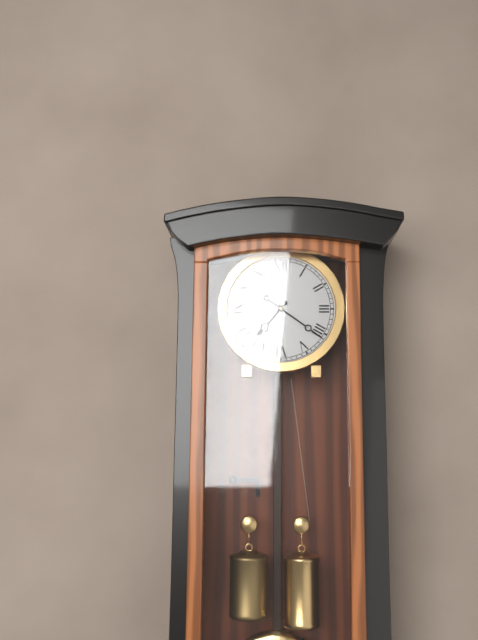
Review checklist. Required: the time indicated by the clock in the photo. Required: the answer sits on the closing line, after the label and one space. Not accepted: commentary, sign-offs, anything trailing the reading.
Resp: 7:21
